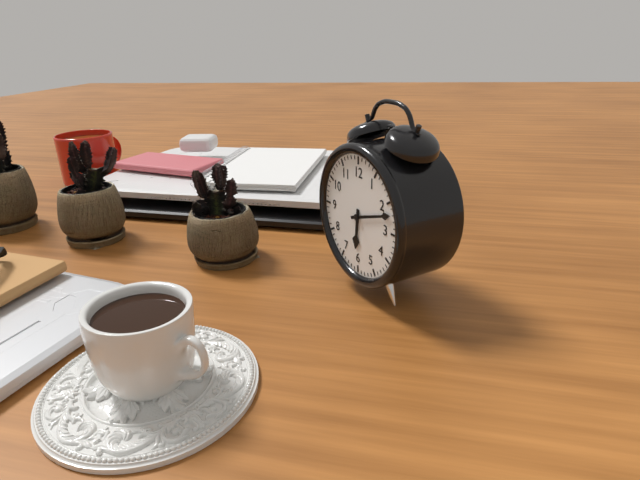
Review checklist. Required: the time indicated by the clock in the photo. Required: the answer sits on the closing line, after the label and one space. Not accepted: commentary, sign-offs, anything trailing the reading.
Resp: 6:12
